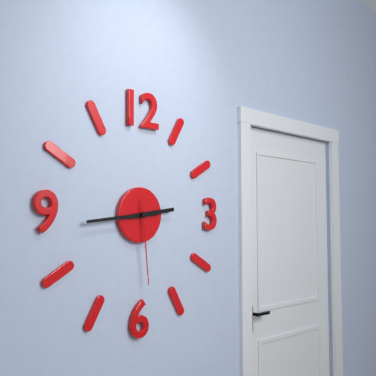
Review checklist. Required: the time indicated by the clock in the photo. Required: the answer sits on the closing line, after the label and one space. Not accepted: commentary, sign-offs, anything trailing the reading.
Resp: 2:44:29
